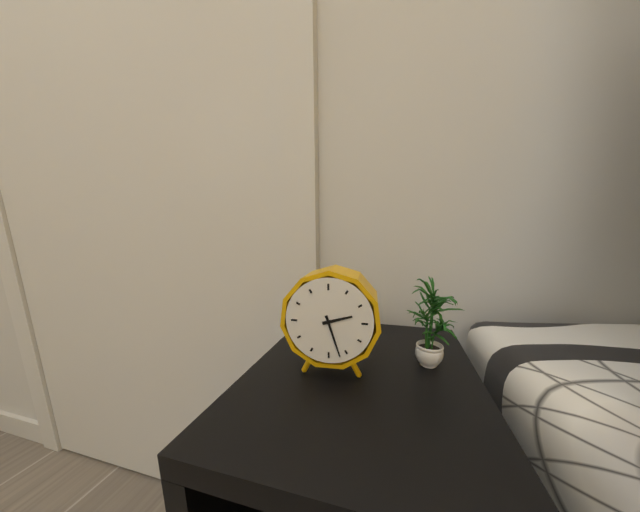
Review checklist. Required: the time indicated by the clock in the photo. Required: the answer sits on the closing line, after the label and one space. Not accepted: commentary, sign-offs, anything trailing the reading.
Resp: 2:27
